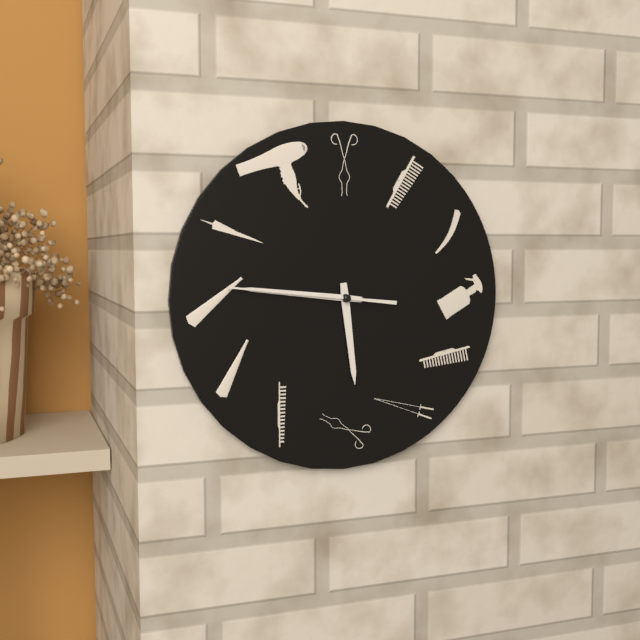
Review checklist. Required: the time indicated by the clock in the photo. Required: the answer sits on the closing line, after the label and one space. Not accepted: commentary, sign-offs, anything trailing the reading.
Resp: 5:46:46
